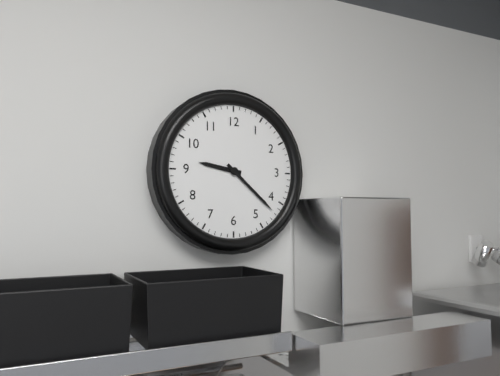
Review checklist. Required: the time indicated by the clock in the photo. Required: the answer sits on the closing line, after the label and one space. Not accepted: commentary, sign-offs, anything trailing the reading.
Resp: 9:22
